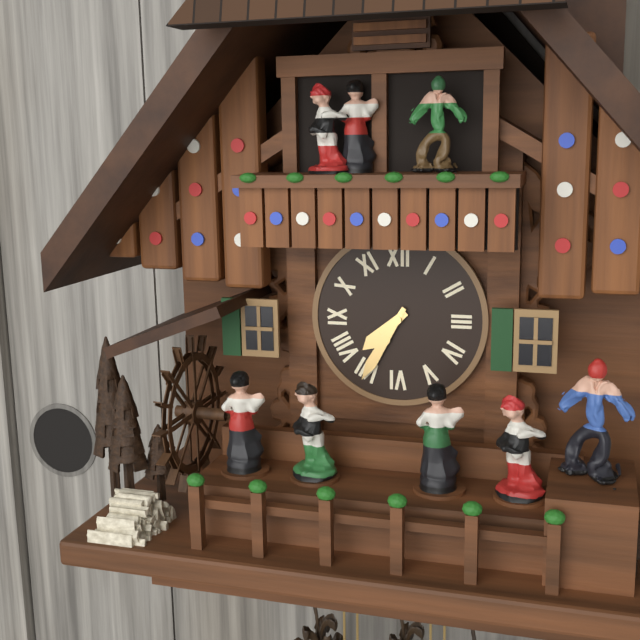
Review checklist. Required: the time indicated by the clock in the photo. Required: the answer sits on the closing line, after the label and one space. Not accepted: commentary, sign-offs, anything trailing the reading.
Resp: 7:35
